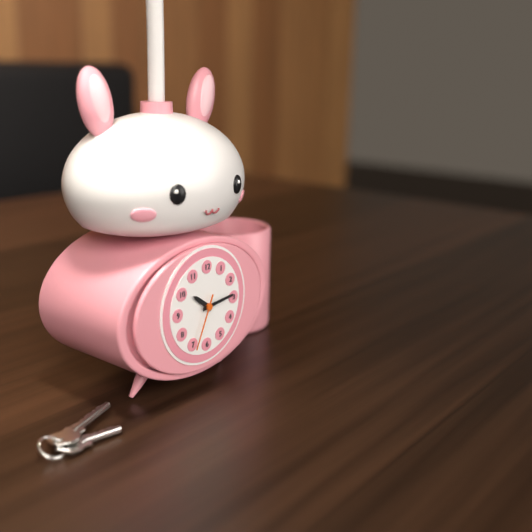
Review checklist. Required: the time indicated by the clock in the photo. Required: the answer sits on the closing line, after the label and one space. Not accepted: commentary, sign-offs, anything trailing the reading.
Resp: 10:14:34
